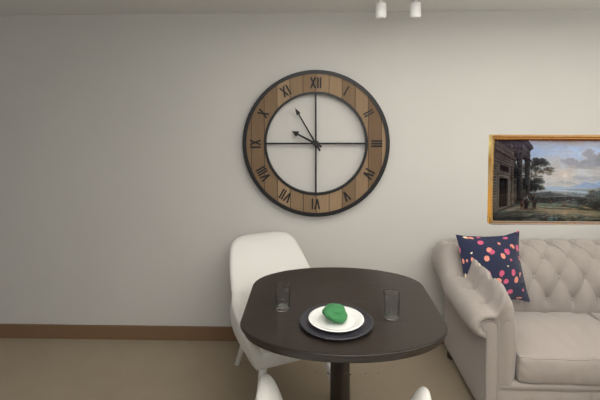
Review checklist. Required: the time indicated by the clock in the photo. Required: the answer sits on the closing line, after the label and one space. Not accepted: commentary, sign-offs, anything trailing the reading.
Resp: 9:55
